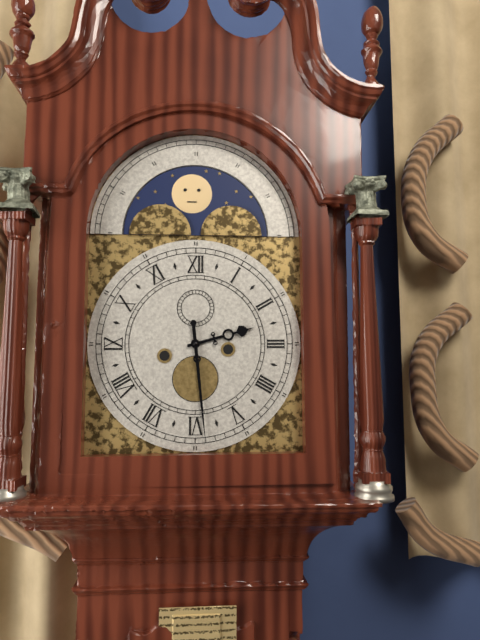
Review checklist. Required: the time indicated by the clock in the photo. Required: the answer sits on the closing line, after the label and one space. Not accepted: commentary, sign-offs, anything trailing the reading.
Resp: 2:29
